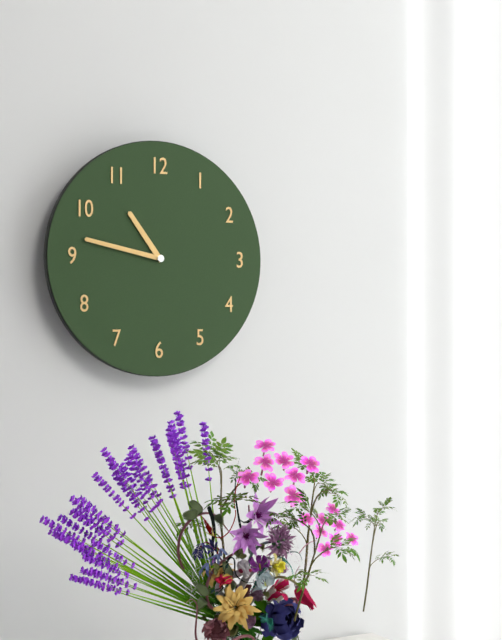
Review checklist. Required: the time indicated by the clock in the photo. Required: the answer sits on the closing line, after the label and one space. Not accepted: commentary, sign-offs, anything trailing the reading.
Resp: 10:47
